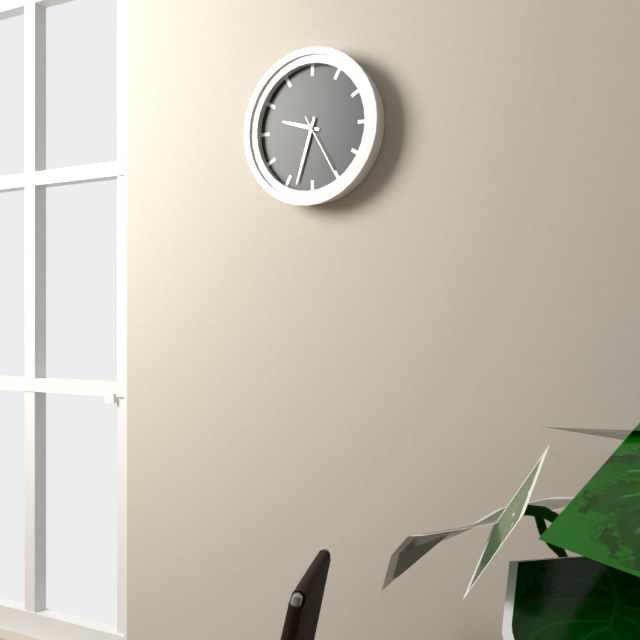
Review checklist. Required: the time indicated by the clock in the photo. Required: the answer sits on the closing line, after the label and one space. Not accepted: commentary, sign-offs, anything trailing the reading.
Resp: 9:33:25
